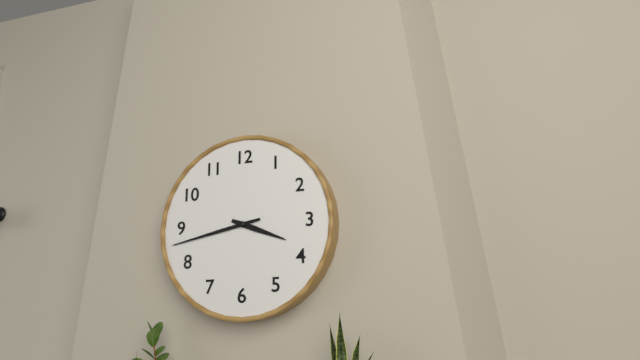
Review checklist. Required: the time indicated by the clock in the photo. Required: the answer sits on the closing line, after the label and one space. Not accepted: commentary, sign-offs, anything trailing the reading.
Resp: 3:43
